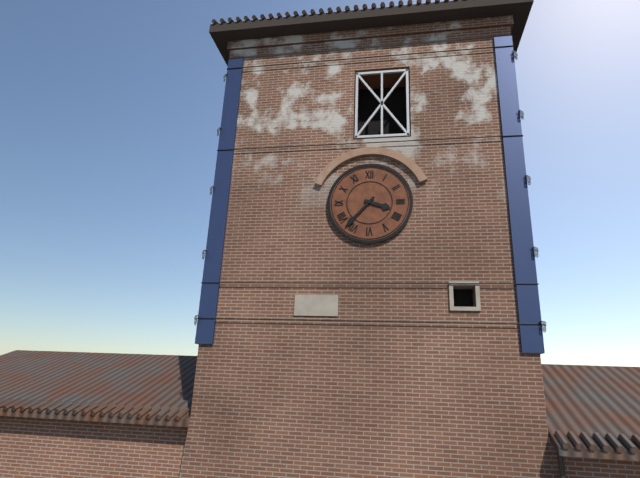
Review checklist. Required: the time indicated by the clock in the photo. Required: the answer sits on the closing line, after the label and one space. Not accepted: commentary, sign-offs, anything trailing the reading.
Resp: 3:37
